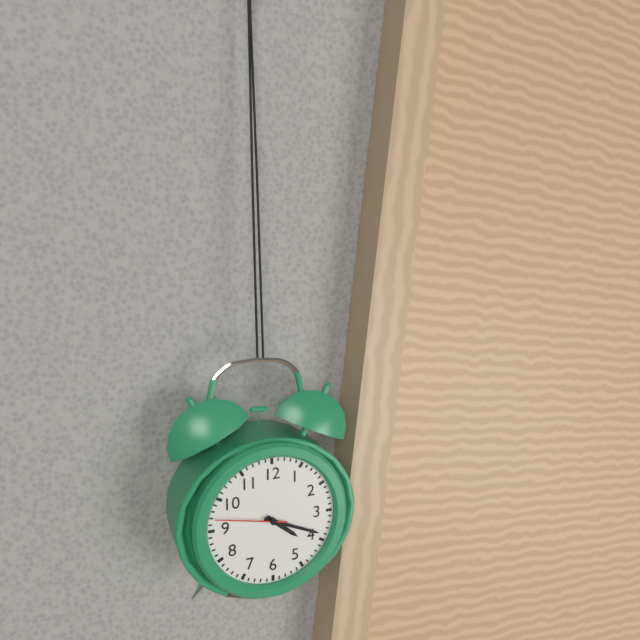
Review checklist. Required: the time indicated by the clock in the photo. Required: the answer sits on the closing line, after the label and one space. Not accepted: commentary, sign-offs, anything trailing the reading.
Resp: 4:19:47
